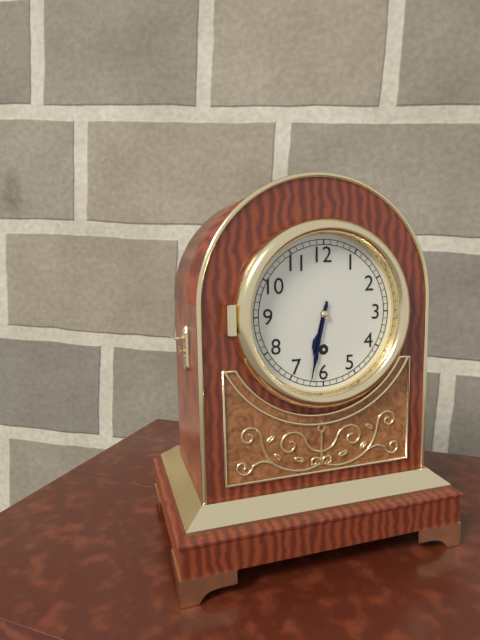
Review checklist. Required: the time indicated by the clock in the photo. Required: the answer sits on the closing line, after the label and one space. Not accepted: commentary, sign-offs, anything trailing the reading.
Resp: 6:32
